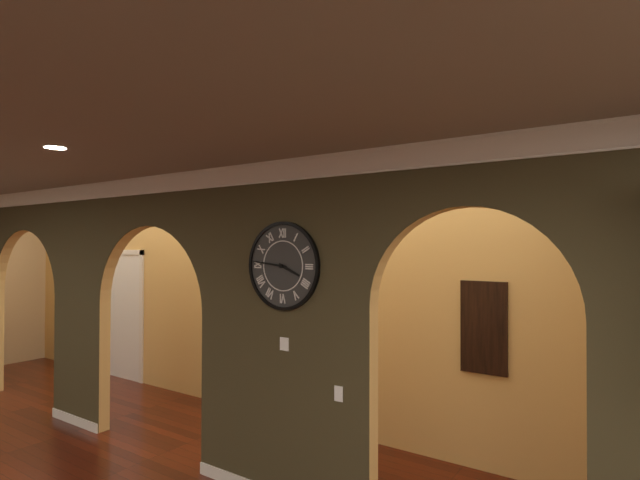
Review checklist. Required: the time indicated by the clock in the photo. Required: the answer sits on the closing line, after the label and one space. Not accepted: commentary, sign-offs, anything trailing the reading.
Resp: 3:46
